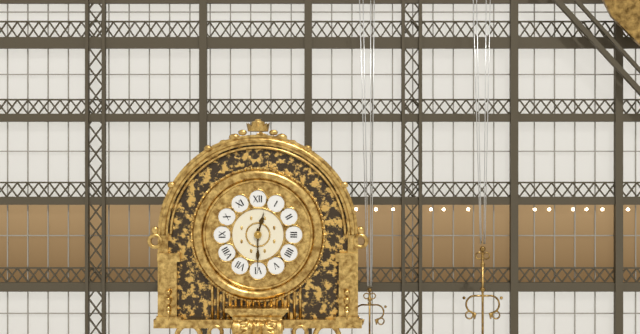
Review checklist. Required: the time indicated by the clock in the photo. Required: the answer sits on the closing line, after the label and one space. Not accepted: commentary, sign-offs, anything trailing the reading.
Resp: 12:30
